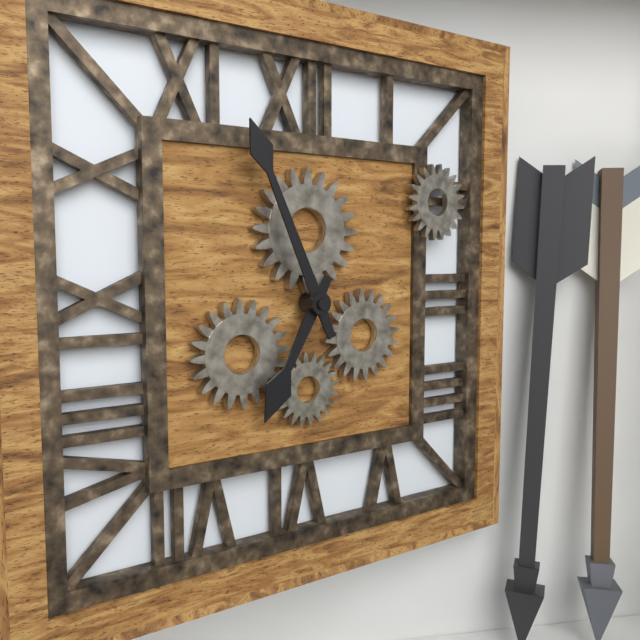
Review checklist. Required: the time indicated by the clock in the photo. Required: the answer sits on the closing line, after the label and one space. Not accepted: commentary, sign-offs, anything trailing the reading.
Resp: 6:56
